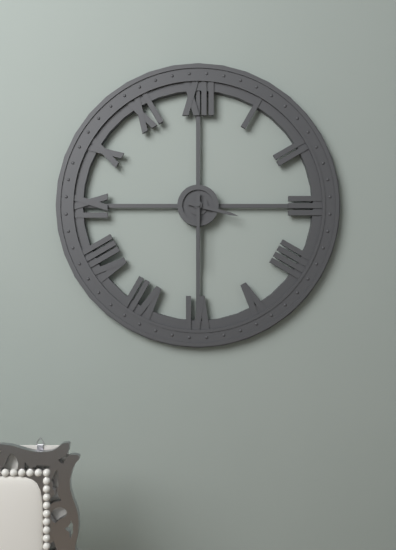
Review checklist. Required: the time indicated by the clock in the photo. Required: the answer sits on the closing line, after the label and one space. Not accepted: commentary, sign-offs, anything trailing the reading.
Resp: 3:30
